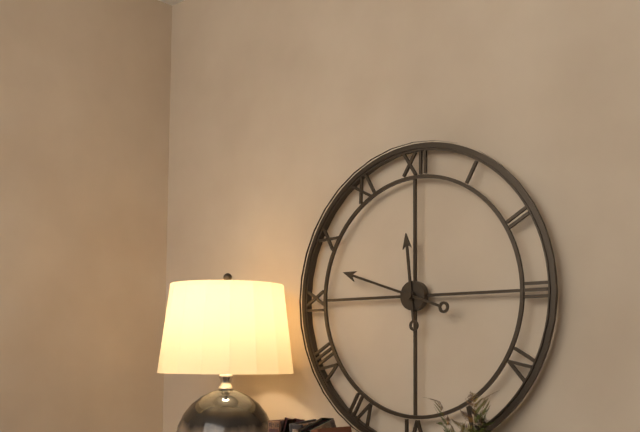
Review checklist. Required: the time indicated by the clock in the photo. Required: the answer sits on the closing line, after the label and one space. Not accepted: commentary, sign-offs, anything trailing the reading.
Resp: 11:48
